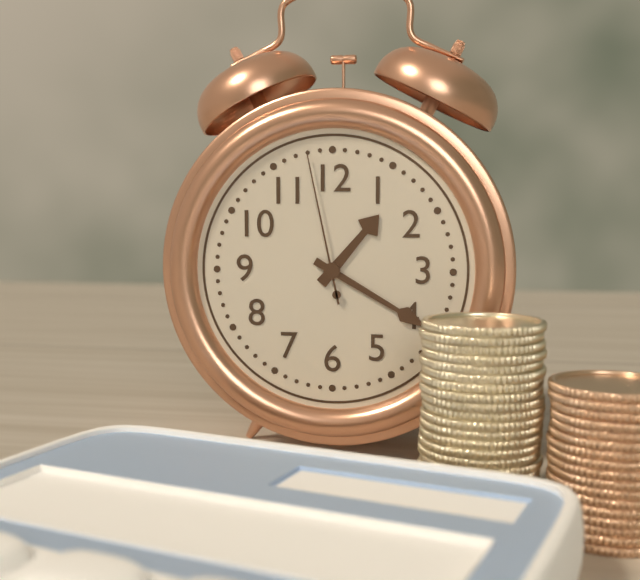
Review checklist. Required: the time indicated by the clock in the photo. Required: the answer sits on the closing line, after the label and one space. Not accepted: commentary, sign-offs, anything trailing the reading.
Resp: 1:20:58
